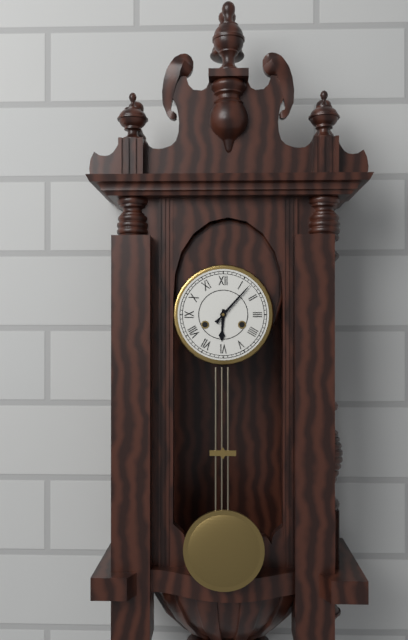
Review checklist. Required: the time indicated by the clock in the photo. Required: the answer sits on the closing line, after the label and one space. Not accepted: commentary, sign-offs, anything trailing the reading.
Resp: 6:07
